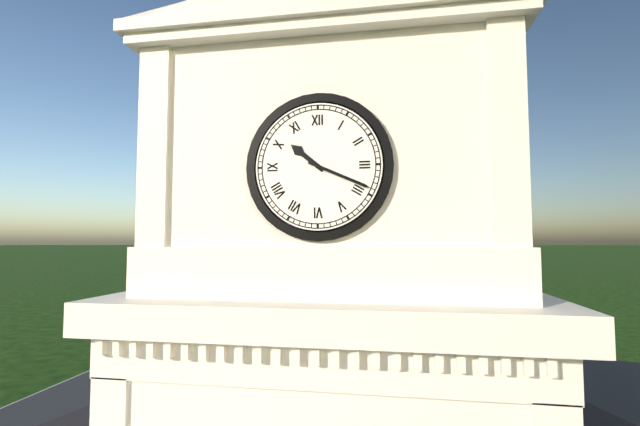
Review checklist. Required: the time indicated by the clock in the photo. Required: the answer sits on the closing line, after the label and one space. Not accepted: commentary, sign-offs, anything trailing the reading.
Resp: 10:19
